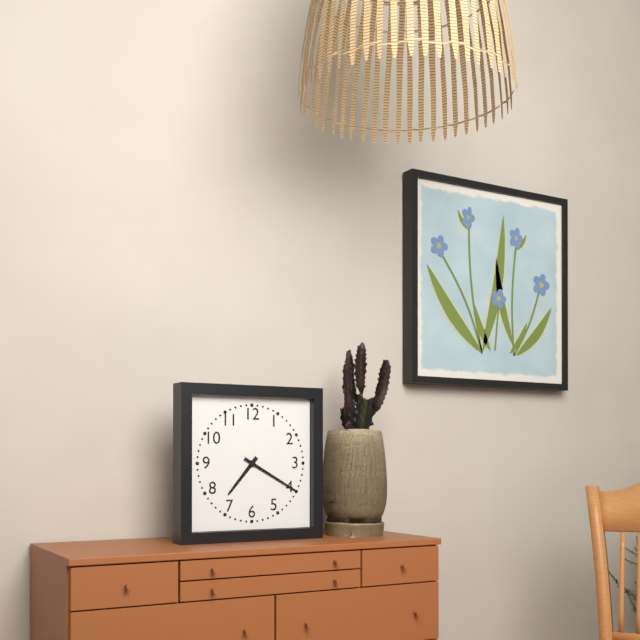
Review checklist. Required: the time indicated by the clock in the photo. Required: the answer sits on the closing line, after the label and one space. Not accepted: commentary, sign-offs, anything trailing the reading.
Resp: 7:20
